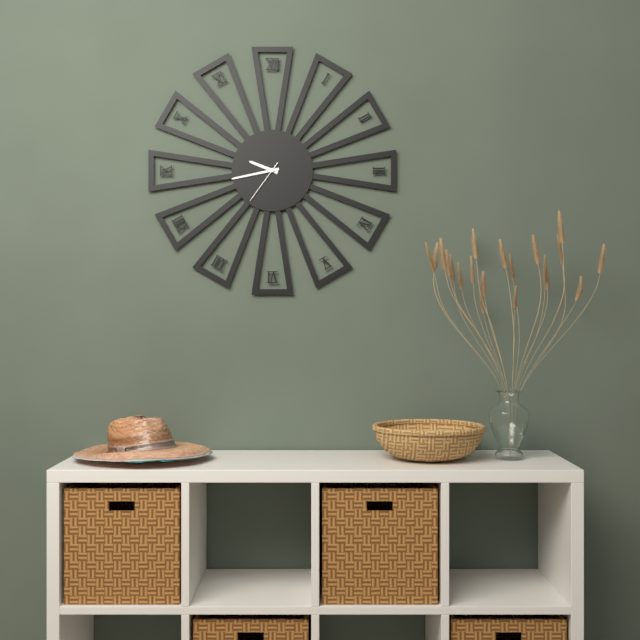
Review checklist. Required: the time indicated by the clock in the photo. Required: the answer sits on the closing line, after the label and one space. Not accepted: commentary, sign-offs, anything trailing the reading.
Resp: 9:43
